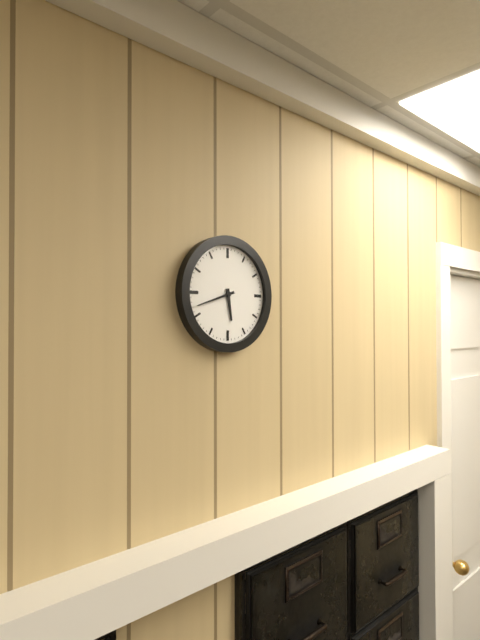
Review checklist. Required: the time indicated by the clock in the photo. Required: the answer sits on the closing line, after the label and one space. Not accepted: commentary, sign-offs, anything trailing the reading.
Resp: 5:42
